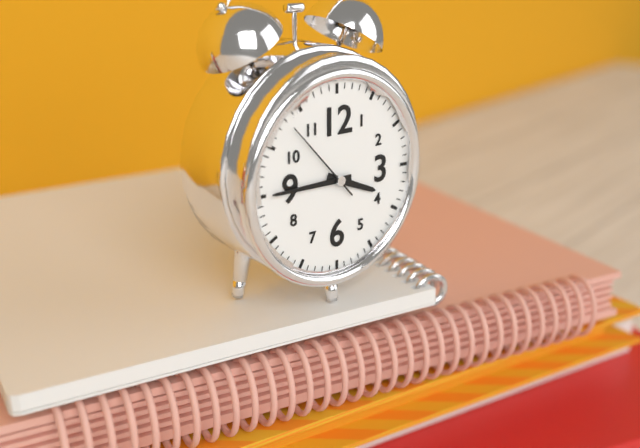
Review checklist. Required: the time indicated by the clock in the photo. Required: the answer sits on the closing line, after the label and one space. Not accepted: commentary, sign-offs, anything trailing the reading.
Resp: 3:45:53
